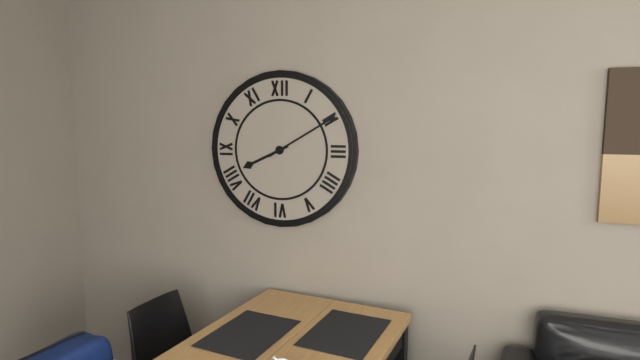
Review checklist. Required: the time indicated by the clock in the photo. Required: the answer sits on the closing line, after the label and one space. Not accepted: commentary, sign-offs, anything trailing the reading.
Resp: 8:10
